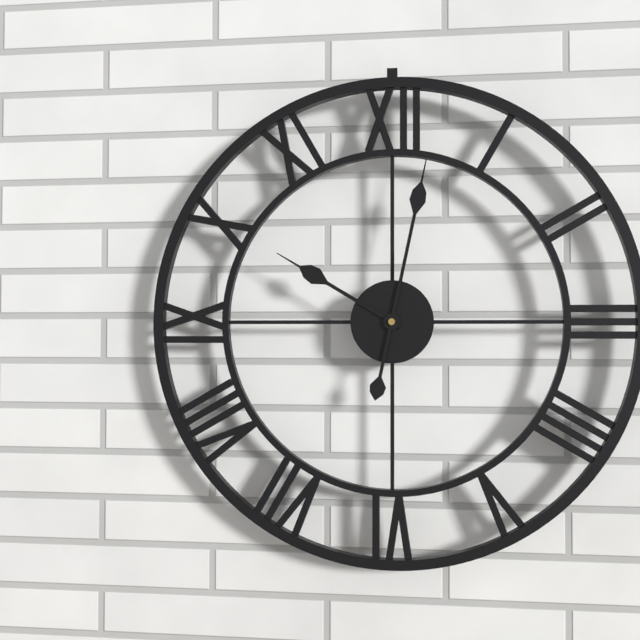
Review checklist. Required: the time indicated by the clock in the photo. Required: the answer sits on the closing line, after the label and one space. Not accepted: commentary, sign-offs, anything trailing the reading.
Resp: 10:02
